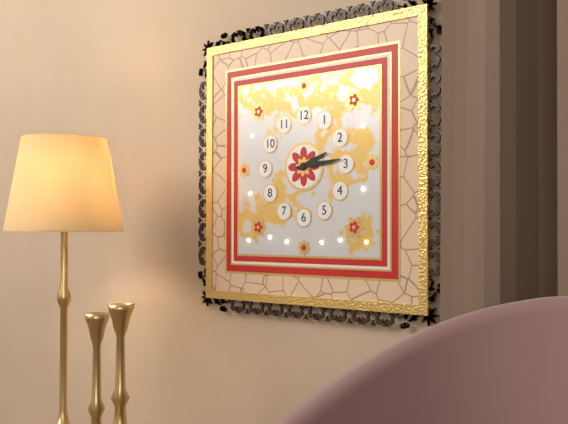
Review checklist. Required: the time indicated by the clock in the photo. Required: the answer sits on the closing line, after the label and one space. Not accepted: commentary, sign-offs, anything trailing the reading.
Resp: 2:14
